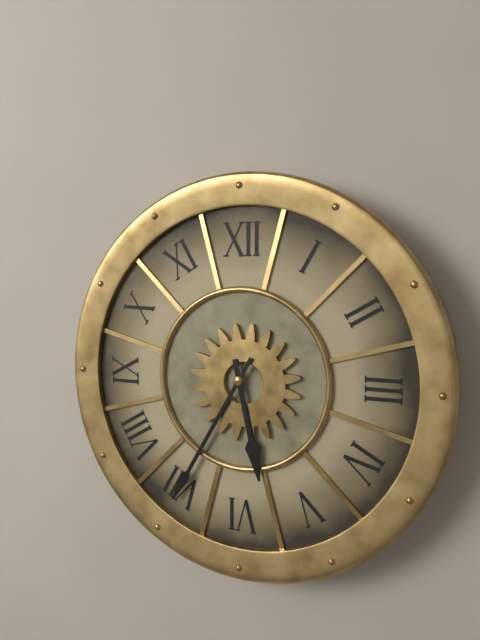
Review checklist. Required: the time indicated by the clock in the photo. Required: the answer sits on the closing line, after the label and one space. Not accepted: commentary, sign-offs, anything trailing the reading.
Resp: 5:35
